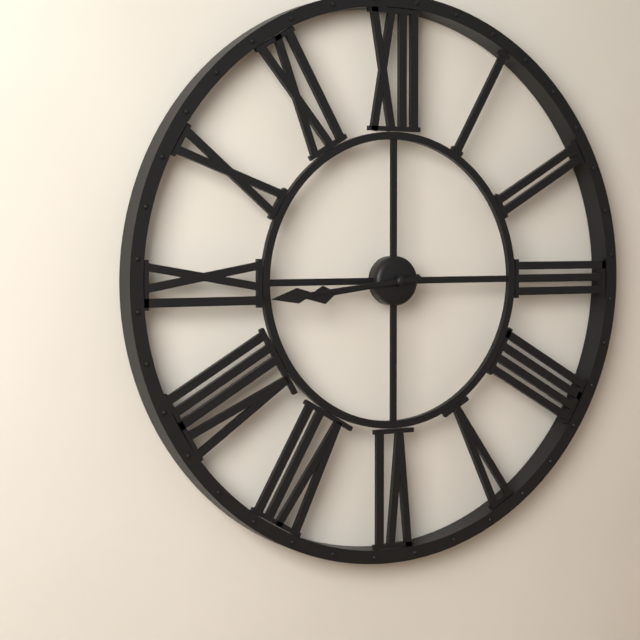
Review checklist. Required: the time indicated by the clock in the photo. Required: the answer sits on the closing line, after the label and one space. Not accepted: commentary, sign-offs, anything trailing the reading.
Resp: 8:44
